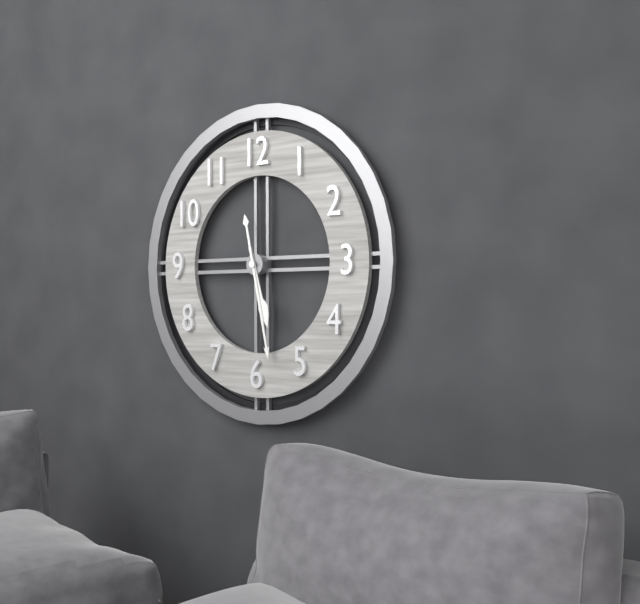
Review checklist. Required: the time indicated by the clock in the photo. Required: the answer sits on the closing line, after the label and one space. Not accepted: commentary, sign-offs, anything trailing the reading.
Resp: 5:28
